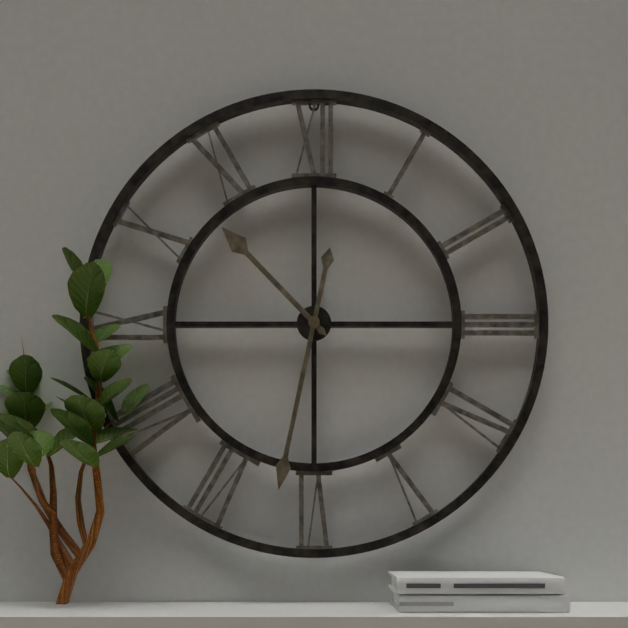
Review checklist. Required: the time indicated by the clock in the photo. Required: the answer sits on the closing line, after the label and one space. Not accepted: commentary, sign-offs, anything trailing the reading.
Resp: 10:32
